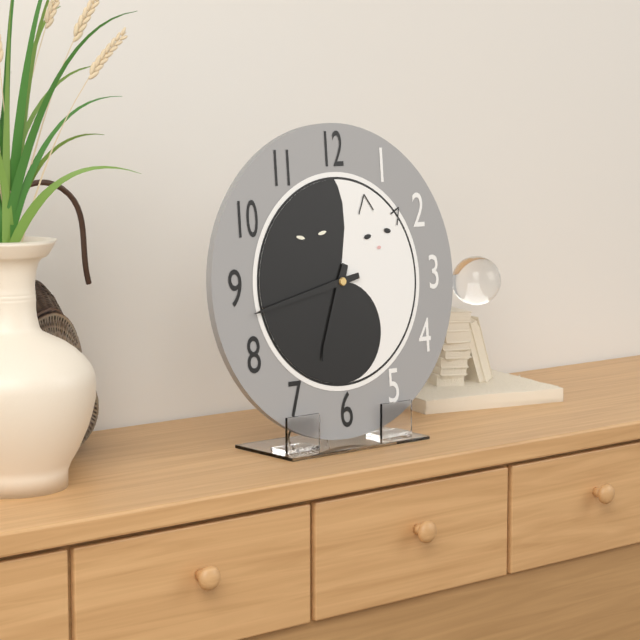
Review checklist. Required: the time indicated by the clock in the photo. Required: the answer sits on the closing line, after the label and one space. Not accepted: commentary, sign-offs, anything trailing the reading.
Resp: 6:43
